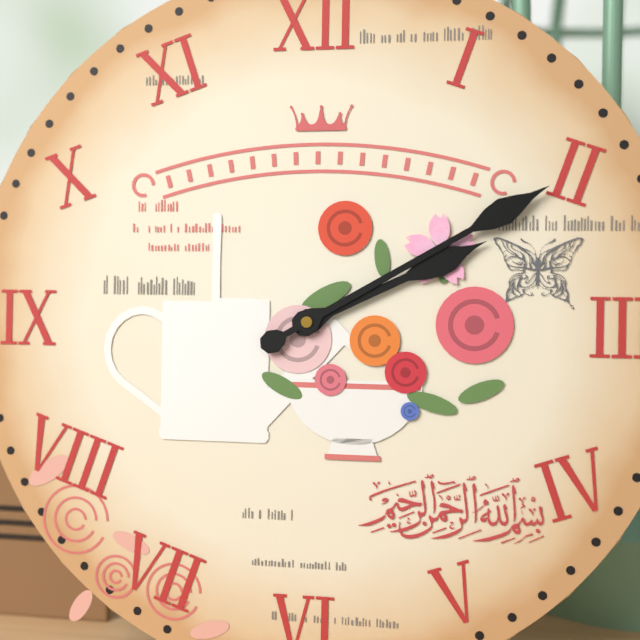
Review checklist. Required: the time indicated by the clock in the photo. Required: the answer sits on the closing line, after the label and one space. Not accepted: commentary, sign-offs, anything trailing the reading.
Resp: 2:10
